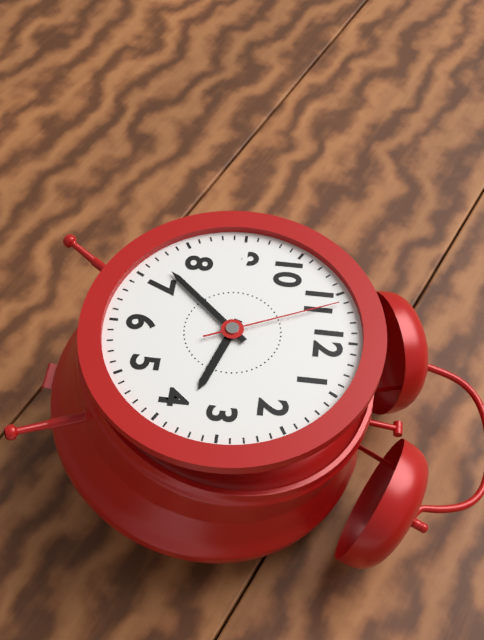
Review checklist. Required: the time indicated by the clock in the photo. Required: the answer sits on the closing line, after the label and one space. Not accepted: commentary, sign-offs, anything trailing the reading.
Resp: 3:37:56
